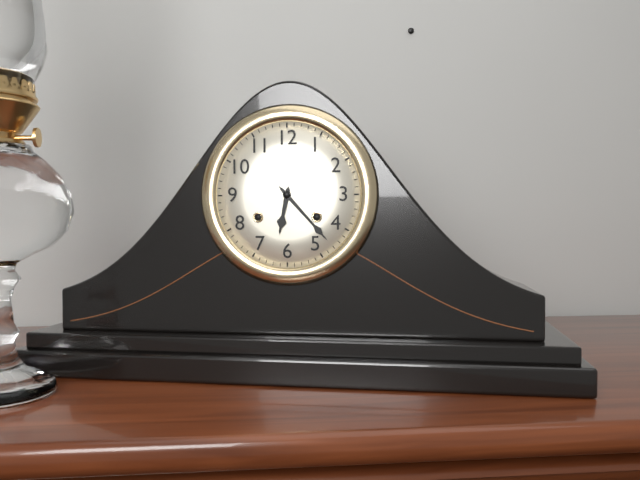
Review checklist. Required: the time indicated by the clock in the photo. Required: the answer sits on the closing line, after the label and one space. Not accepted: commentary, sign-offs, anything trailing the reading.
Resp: 6:23
